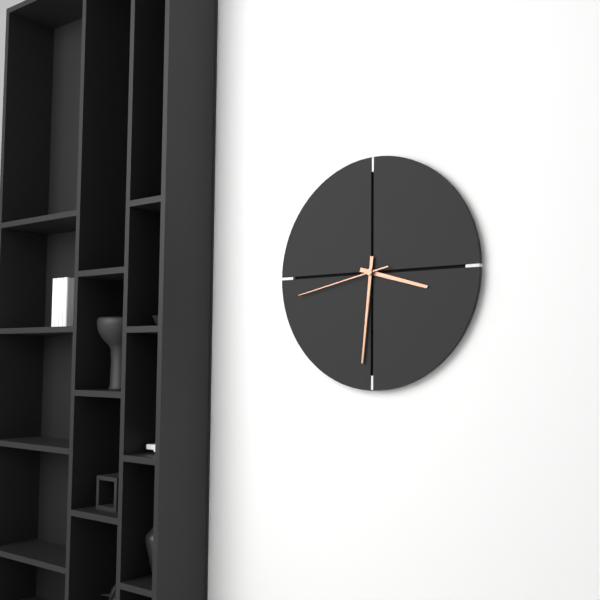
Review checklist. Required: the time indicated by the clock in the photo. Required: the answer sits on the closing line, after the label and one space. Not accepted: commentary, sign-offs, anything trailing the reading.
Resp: 3:31:43
